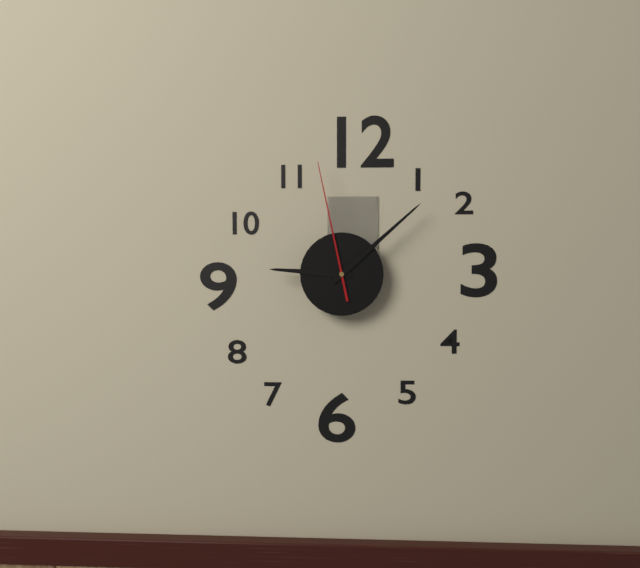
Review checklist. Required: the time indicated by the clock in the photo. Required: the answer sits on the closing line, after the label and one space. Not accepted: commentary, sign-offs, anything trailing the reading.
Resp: 9:08:58
